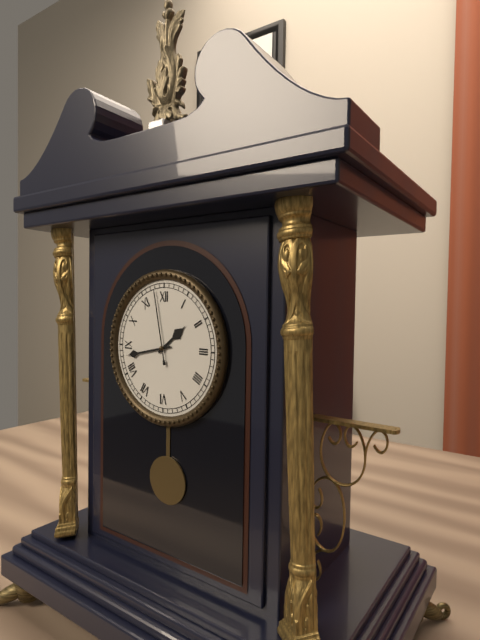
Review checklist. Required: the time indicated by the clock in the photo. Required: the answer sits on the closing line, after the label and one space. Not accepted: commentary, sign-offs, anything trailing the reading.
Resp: 1:43:58
